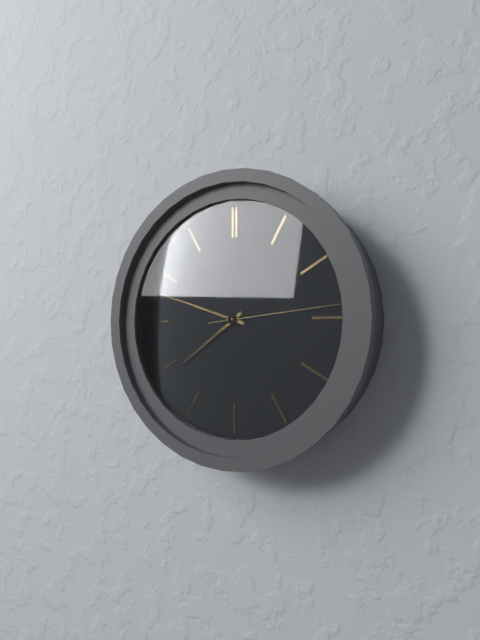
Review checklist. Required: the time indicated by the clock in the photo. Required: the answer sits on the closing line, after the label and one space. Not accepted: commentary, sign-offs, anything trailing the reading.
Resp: 7:48:14
